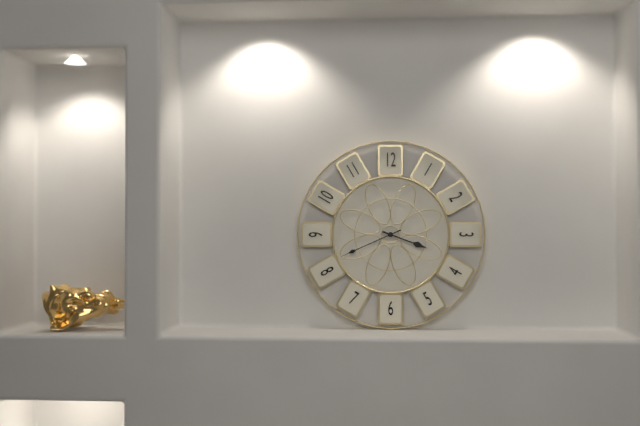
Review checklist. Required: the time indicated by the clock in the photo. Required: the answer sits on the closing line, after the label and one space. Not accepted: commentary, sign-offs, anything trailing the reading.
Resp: 3:41
